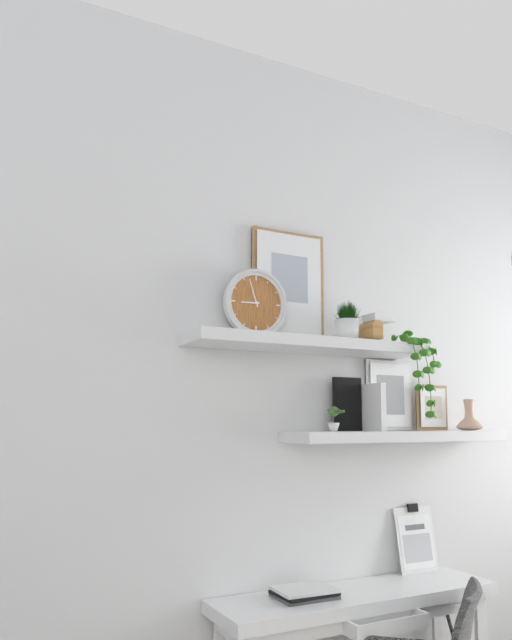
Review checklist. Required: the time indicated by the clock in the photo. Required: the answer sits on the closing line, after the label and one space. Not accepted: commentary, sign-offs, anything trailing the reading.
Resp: 8:57
